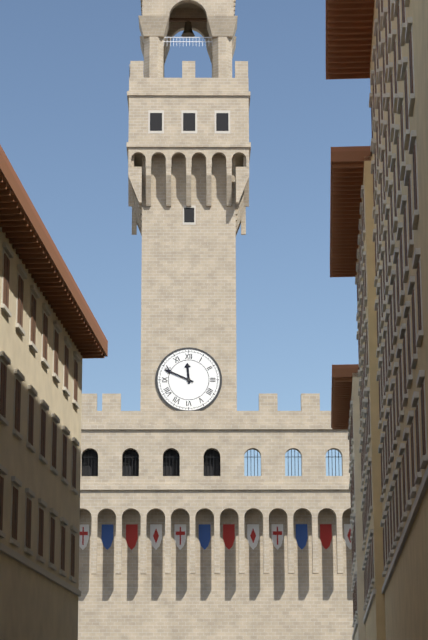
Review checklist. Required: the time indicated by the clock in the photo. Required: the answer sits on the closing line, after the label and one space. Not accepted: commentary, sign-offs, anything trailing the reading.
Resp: 11:49
